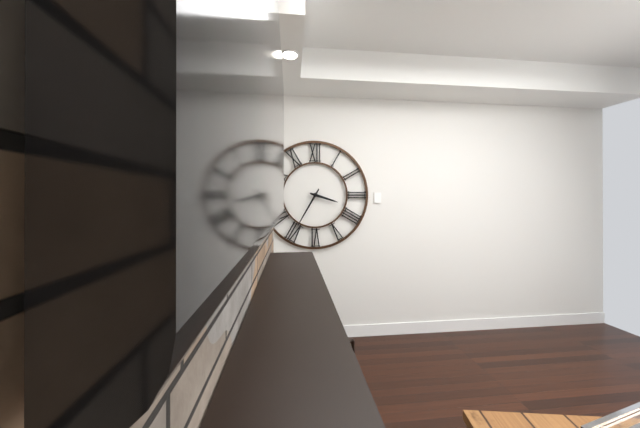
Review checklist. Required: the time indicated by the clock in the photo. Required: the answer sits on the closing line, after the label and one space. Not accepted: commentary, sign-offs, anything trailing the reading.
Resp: 3:35
